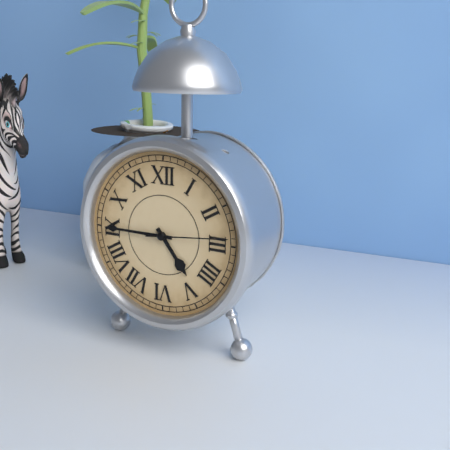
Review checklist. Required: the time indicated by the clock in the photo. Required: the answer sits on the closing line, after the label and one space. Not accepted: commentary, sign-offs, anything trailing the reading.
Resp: 4:45:14
